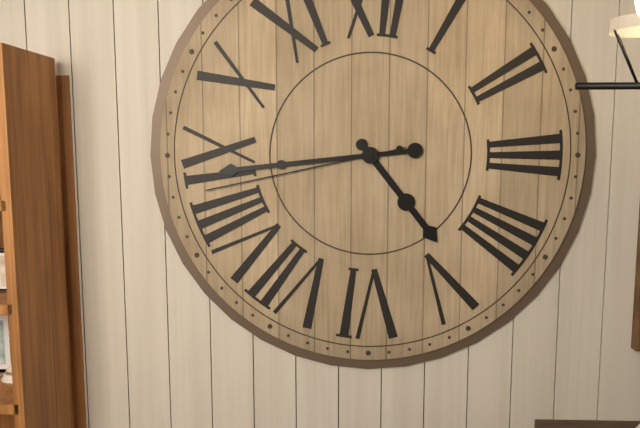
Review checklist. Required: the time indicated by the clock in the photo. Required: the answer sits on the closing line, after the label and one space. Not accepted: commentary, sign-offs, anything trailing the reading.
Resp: 4:44:43
